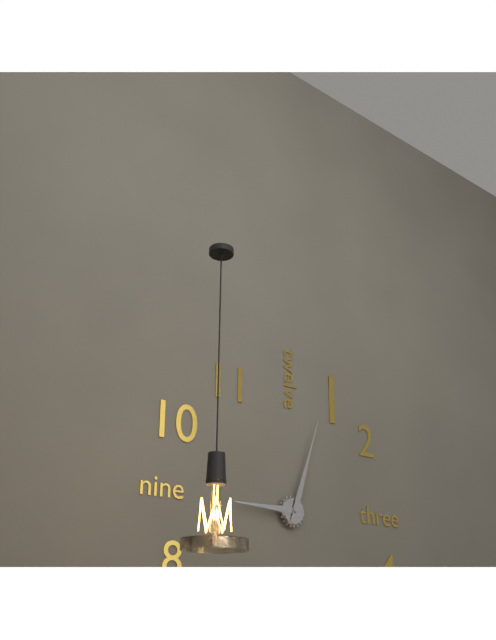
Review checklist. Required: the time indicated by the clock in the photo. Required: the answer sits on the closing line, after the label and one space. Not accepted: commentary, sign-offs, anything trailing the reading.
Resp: 9:03
